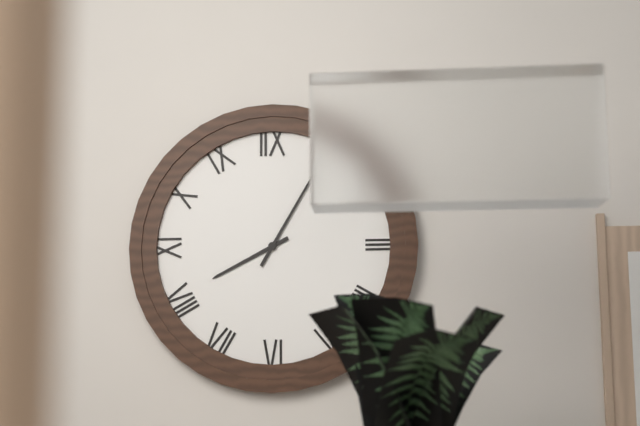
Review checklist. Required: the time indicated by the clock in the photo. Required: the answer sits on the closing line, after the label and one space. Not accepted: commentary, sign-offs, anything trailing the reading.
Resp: 8:05
